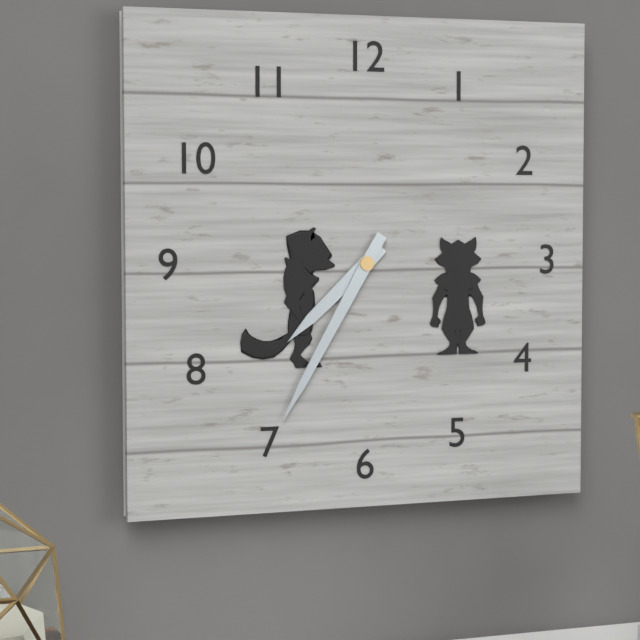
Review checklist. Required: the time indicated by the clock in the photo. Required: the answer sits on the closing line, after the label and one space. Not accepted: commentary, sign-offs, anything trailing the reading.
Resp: 7:35
